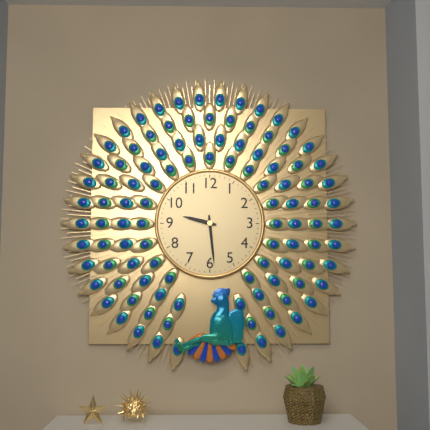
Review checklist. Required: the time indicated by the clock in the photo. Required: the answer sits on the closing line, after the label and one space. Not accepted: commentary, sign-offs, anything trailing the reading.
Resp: 9:29
